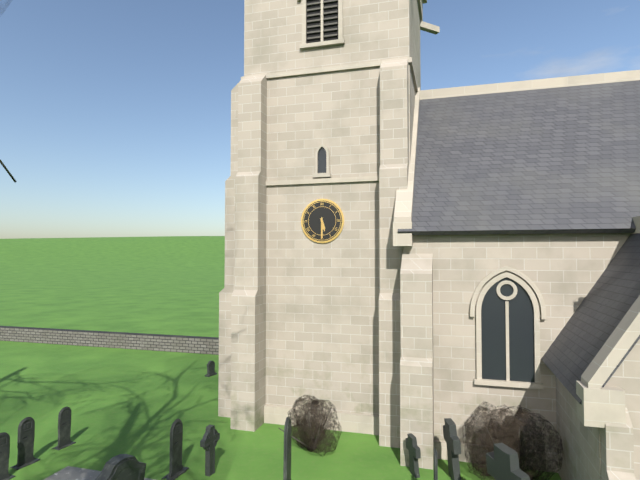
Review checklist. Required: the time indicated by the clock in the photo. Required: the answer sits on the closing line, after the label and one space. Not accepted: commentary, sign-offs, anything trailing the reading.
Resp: 5:30
